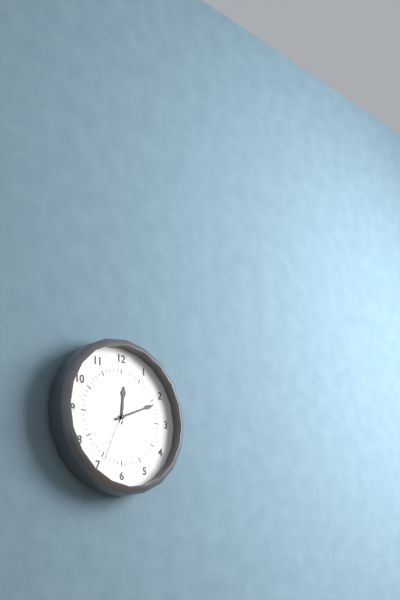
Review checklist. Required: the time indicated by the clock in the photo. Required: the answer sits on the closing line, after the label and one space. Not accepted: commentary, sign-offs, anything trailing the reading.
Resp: 12:11:34
